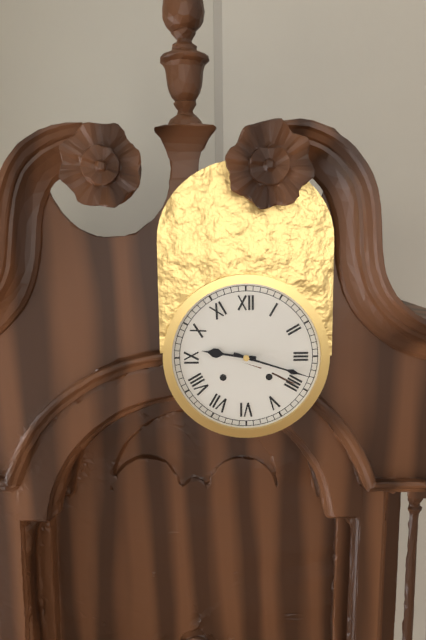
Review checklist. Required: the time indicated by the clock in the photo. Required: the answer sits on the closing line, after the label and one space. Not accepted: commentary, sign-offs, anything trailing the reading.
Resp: 9:18
